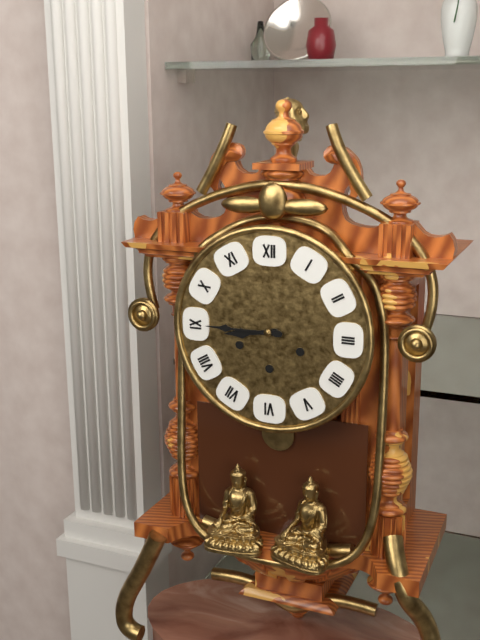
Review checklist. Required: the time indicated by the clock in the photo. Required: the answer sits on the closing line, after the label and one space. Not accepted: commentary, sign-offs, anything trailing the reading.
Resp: 8:45
